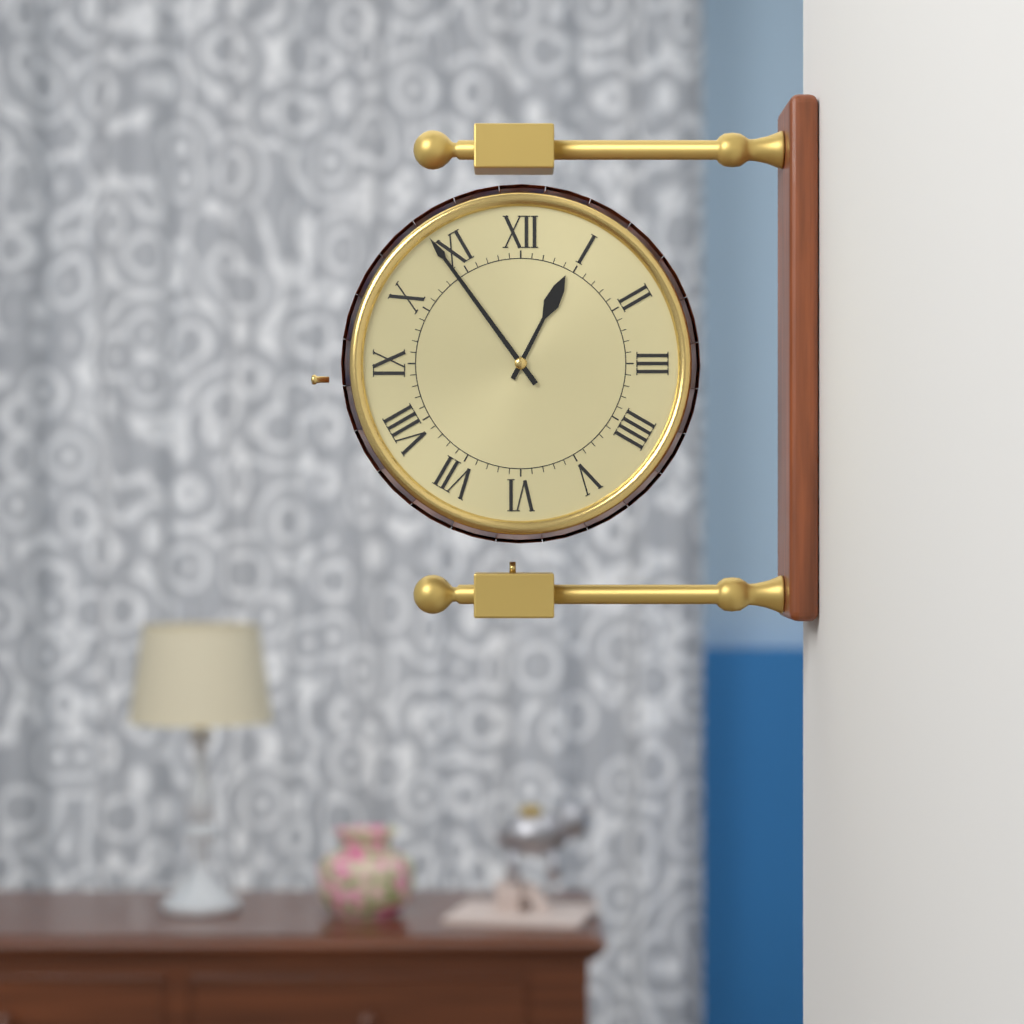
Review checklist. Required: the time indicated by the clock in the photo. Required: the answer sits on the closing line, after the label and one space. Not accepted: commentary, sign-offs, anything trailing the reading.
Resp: 12:54
